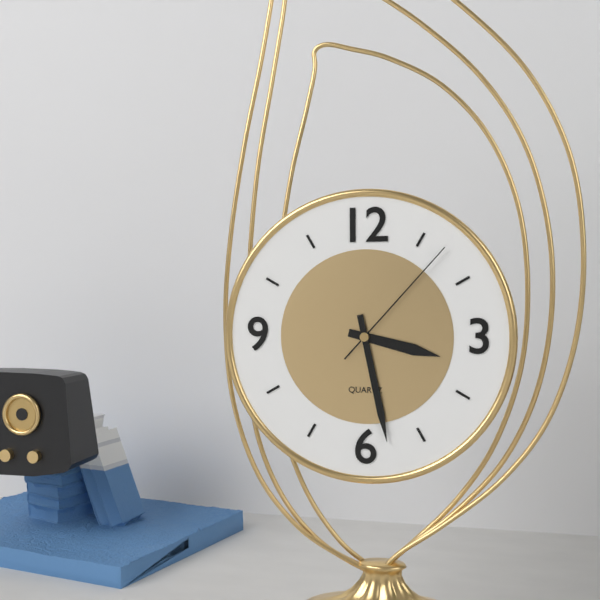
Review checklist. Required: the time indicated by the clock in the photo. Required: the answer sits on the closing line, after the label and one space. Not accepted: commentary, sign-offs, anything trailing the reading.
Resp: 3:28:07
